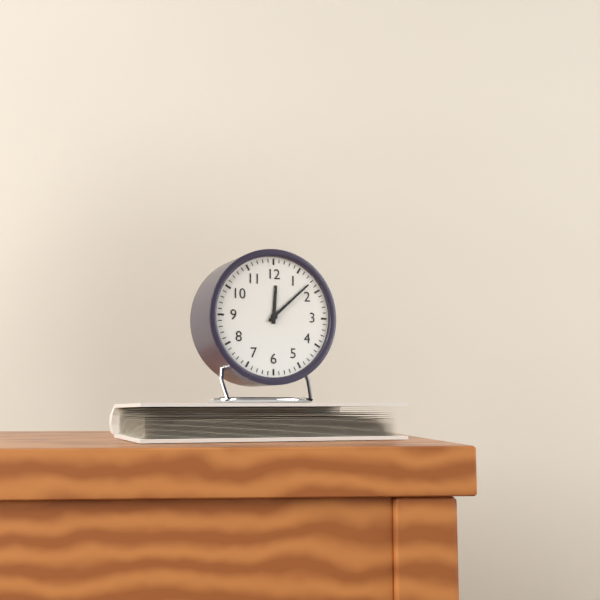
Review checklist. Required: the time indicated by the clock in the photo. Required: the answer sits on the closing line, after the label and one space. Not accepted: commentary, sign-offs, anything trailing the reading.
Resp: 12:08
